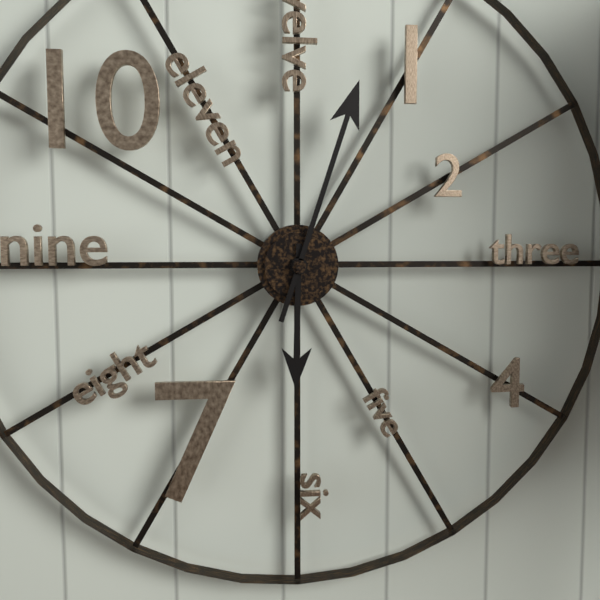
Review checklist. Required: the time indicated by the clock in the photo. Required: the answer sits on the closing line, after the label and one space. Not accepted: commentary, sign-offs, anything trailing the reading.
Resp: 6:03
